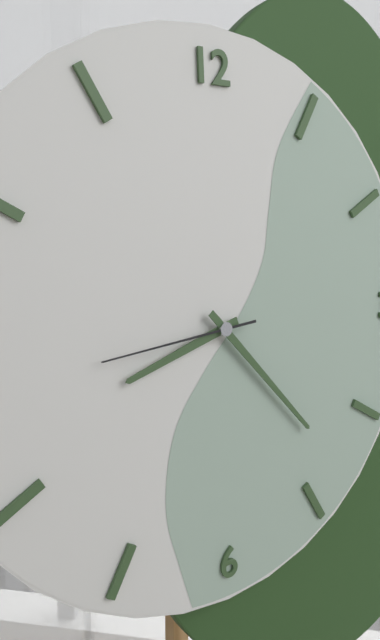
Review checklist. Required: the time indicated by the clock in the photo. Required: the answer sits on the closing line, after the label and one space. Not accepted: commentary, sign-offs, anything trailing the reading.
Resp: 8:23:44
